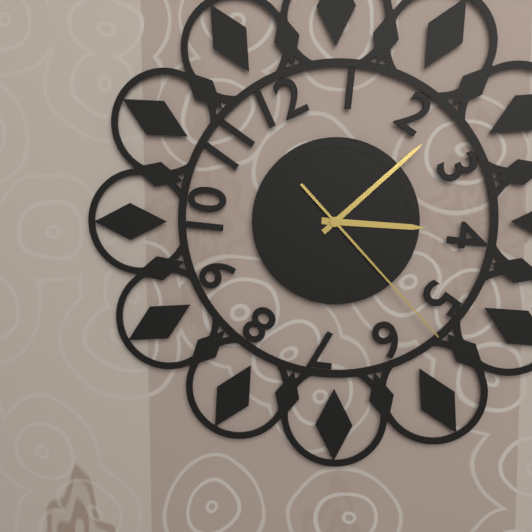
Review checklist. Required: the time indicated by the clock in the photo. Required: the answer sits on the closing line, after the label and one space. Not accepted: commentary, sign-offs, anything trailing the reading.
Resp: 3:08:23
